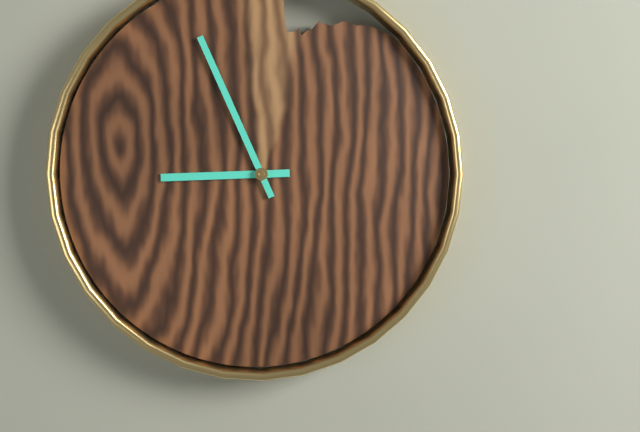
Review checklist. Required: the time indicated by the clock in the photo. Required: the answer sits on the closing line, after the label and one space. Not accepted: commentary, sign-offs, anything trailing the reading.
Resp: 8:56
